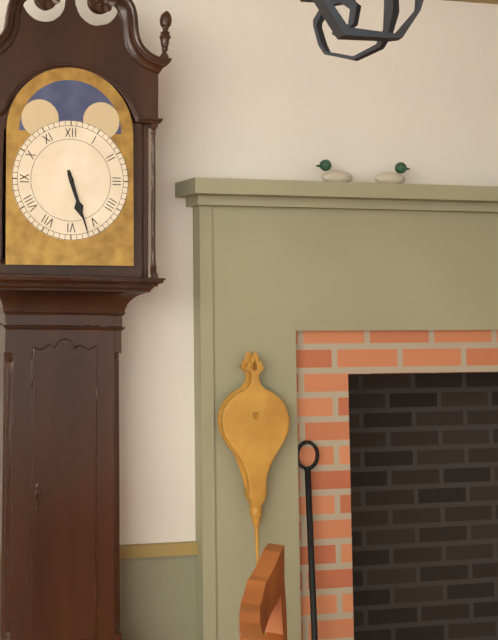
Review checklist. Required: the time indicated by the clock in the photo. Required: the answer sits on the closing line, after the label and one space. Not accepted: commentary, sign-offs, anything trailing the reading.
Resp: 5:27
